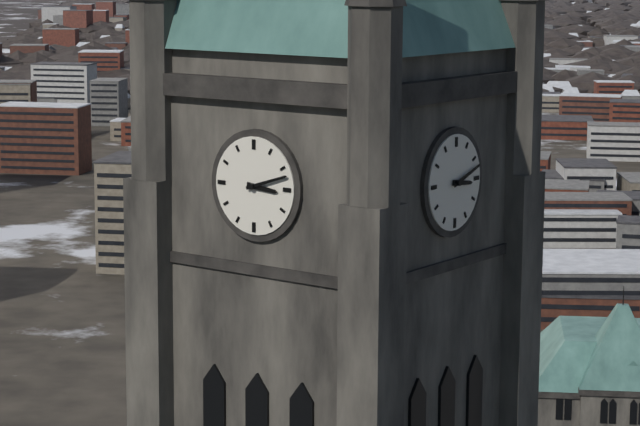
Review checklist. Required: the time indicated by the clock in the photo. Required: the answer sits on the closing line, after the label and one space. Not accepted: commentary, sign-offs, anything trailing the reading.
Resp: 3:12
